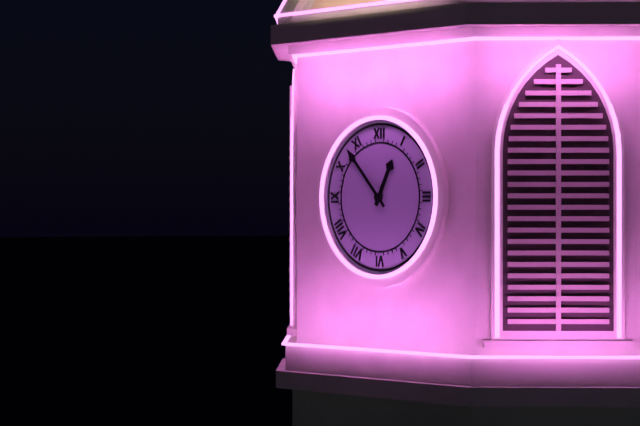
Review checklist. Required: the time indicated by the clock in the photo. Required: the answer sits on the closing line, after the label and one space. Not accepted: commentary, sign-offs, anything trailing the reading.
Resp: 12:53
